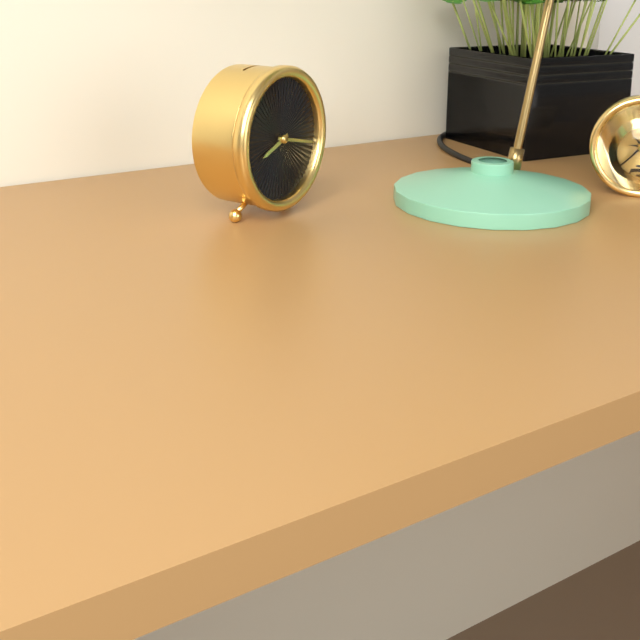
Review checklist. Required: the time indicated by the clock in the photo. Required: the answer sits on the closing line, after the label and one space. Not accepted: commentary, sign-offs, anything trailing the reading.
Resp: 8:17
